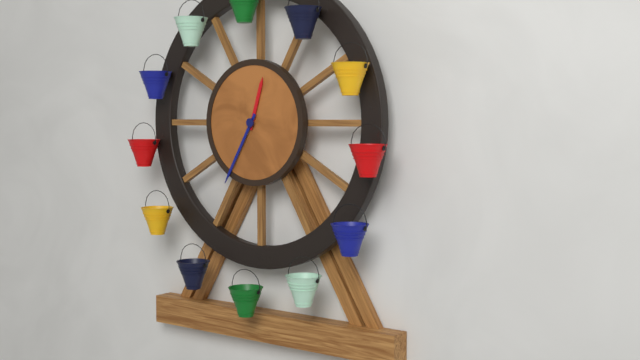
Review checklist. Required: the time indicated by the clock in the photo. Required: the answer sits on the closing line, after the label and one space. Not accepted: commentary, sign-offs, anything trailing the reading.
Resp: 12:35
